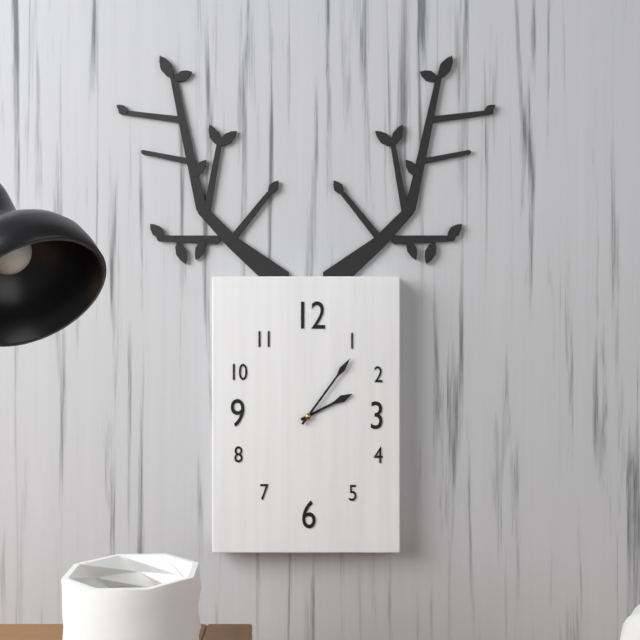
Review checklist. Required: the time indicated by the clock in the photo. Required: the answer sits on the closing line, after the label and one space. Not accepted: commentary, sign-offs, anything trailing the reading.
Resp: 2:06
